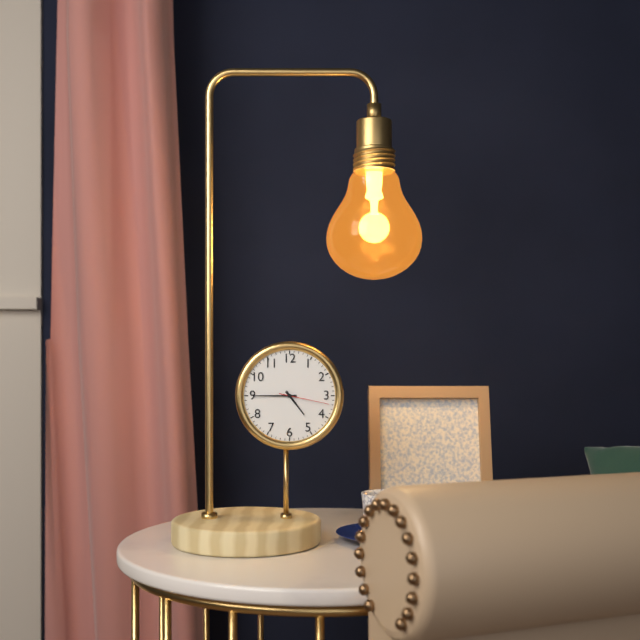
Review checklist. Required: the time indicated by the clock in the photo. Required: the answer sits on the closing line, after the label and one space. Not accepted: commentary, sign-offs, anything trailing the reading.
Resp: 4:45:17
